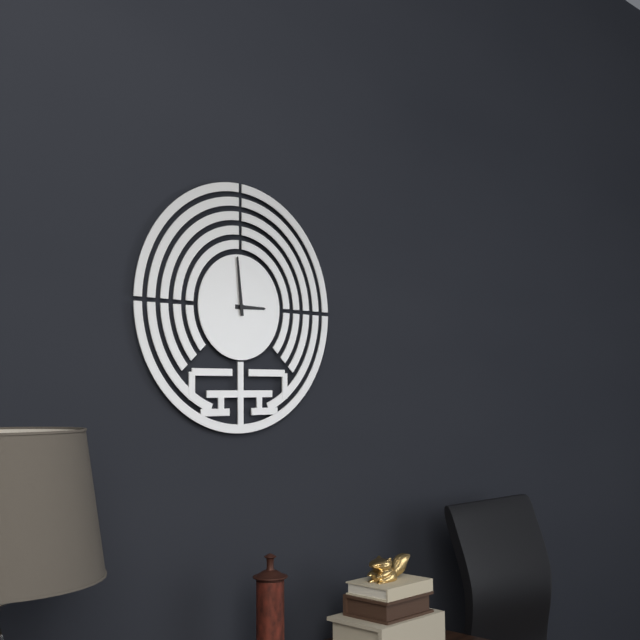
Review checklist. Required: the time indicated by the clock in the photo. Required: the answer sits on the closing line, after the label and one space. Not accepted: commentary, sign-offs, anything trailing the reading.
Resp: 2:59
